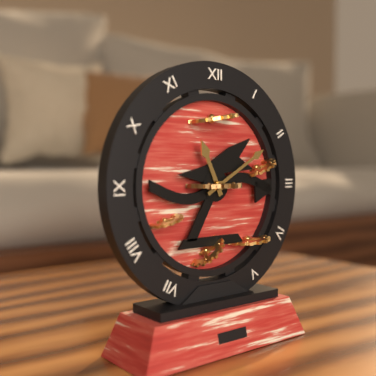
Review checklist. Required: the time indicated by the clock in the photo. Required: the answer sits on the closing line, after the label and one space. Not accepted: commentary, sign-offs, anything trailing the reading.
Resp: 11:10
